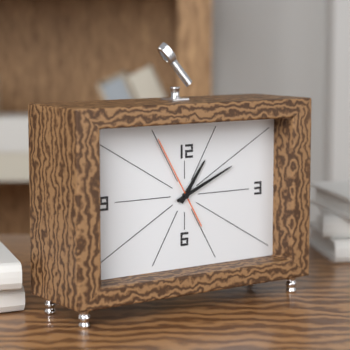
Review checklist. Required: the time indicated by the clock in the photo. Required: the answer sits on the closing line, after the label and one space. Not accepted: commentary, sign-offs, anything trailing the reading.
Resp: 1:11:55
